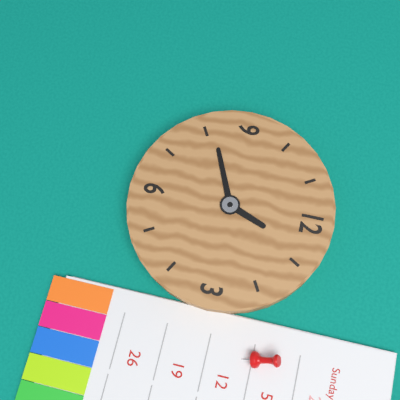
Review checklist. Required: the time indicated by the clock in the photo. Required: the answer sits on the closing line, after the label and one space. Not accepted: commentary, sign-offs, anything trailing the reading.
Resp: 12:41
